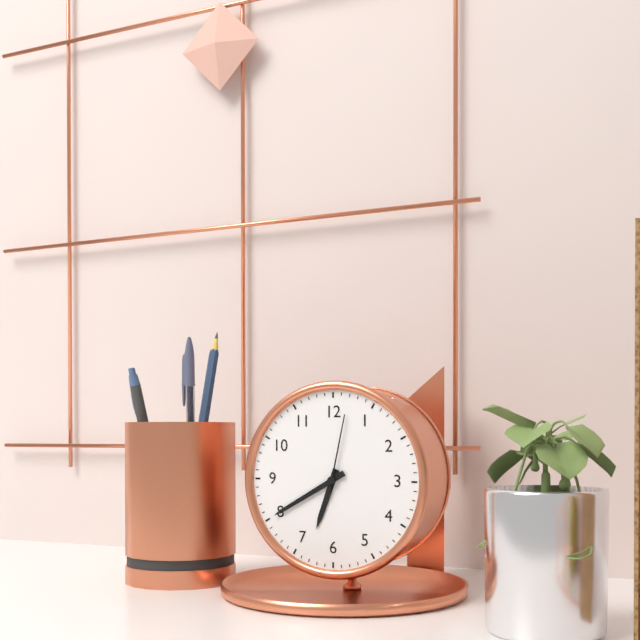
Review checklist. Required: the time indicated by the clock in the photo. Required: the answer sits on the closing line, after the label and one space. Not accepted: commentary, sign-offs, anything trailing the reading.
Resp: 6:40:02
